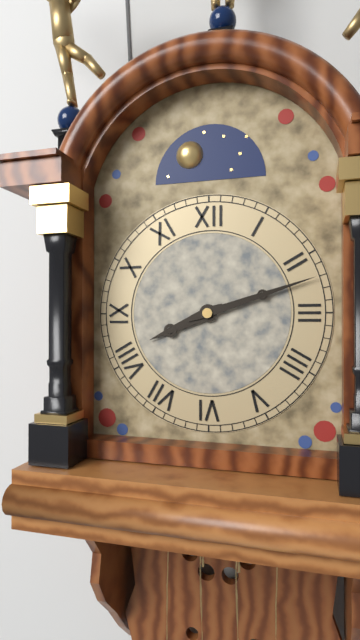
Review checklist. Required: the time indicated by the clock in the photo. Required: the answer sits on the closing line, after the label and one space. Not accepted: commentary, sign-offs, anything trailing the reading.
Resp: 8:12
